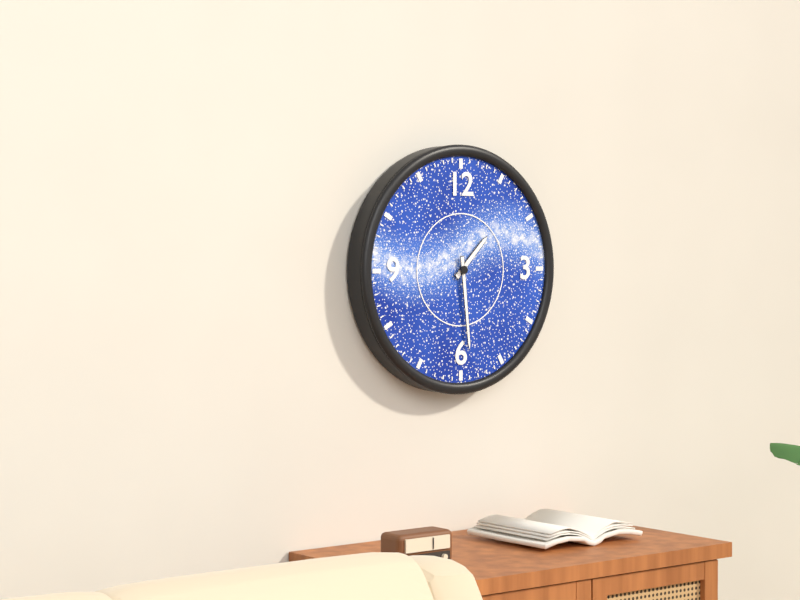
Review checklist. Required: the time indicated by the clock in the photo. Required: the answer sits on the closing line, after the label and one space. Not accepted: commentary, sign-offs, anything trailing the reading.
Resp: 1:29
